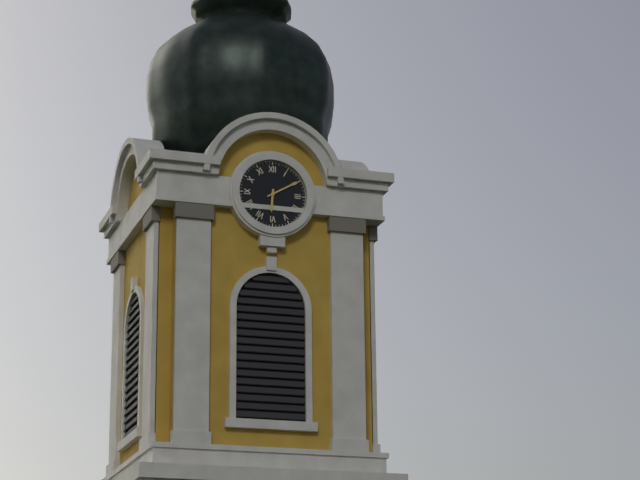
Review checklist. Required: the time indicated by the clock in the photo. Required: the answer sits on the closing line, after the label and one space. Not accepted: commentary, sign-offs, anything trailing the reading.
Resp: 6:10
